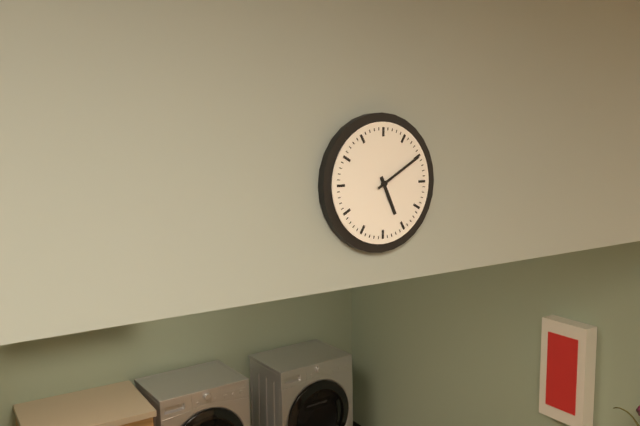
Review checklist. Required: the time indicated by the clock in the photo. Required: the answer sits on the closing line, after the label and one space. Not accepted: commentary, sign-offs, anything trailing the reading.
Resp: 5:10
